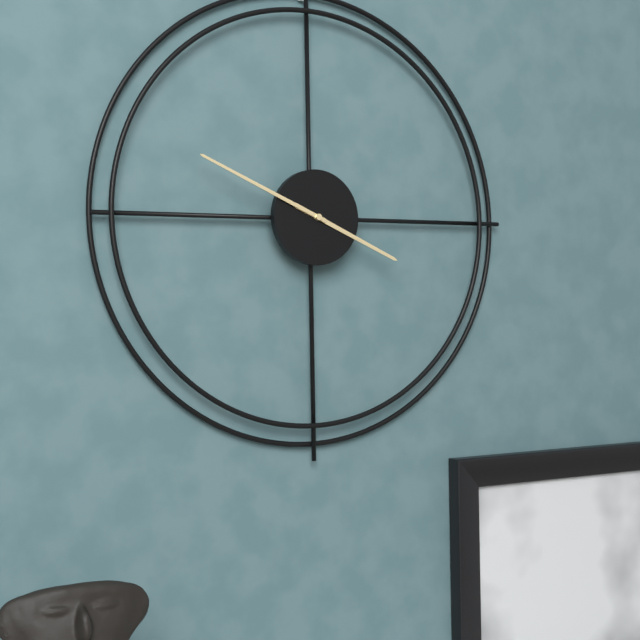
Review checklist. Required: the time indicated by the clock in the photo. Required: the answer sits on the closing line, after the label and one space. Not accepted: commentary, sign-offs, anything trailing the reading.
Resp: 3:49
